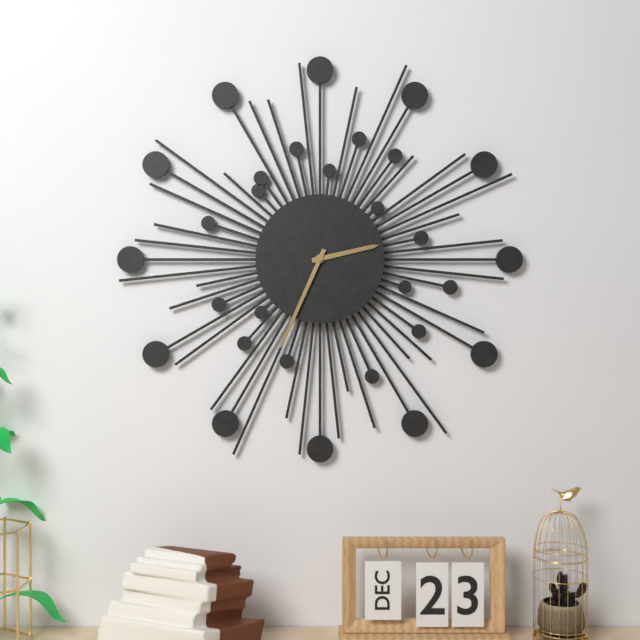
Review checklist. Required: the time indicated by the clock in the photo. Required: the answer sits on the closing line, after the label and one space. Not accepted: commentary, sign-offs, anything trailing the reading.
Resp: 2:34
